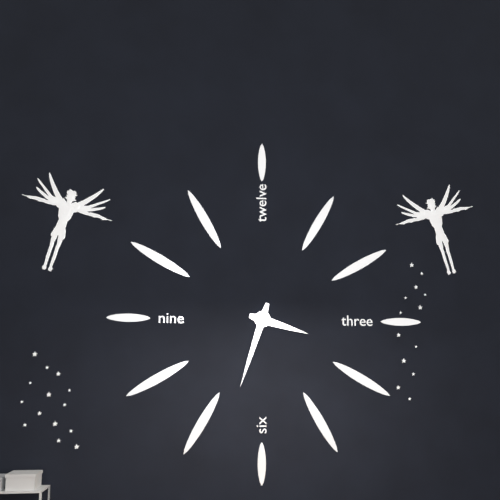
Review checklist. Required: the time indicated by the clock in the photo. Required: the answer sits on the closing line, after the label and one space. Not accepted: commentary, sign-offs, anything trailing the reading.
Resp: 3:33
